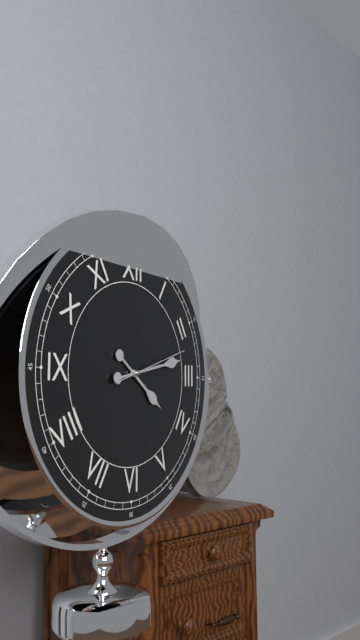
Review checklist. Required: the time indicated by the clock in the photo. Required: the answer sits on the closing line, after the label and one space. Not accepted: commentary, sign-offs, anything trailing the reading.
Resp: 4:13:12
